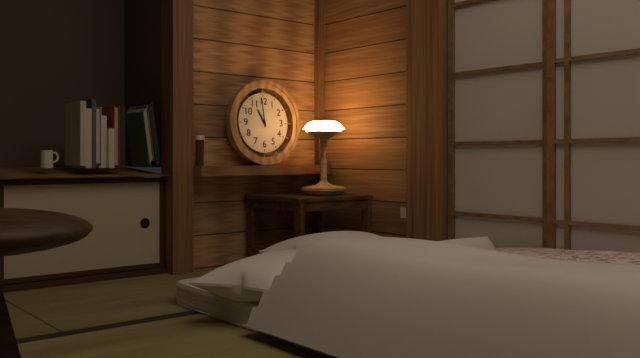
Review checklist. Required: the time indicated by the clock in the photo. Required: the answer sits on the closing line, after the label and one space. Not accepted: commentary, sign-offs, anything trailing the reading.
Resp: 10:59
